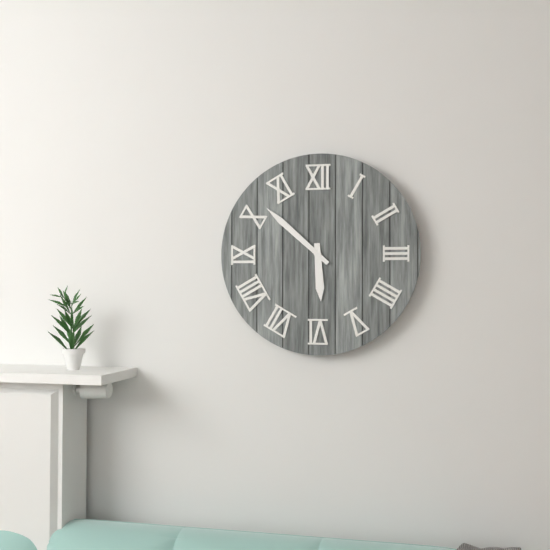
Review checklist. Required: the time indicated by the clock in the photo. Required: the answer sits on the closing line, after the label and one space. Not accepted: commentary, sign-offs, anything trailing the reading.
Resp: 5:52
